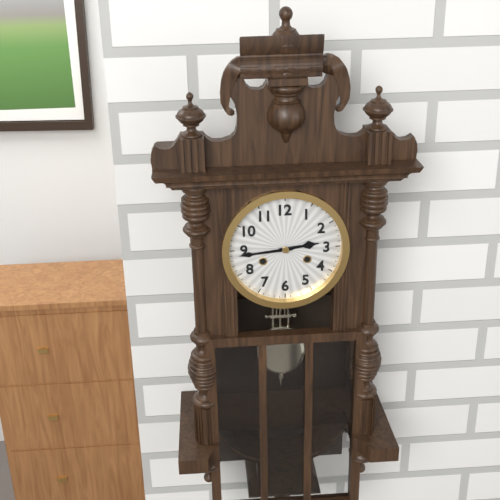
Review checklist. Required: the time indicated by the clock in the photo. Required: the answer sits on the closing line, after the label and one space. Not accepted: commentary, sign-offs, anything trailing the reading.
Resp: 2:44
